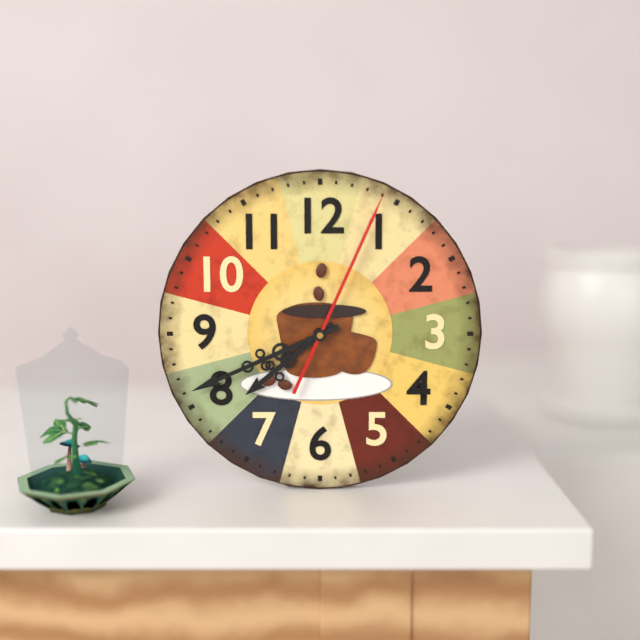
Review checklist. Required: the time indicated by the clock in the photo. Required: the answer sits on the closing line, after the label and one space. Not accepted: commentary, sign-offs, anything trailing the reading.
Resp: 7:41:04
